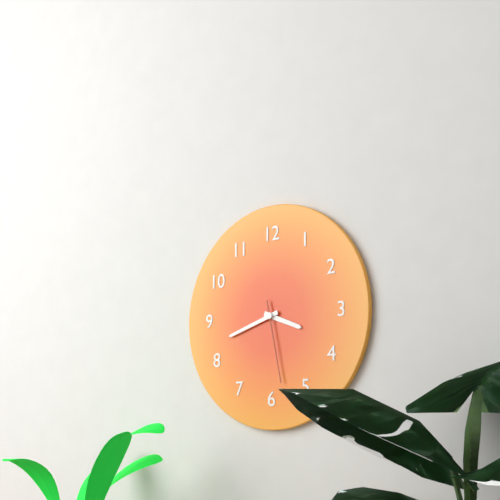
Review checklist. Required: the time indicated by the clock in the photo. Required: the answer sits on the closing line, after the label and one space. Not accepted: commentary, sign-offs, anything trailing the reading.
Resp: 3:42:28
